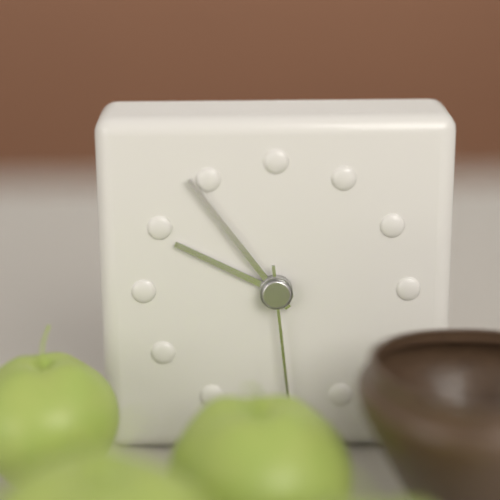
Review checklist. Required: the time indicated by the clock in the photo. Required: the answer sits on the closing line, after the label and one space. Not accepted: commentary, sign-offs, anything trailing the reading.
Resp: 9:54:29
